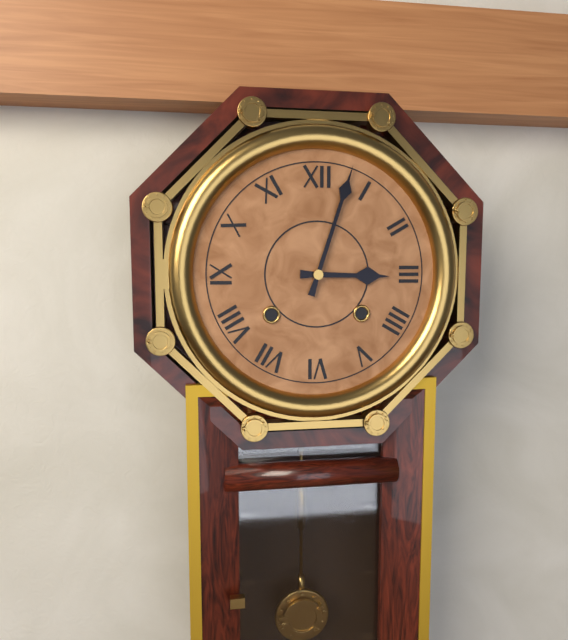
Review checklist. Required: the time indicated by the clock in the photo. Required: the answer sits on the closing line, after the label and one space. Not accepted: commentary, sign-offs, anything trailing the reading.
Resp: 3:03
